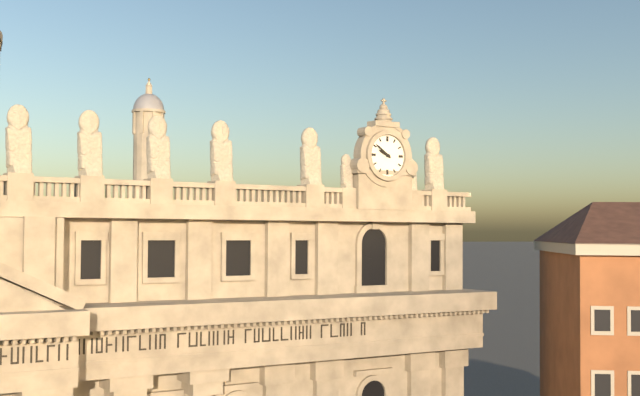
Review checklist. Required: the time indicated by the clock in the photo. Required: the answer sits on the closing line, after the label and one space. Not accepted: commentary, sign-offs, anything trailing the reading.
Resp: 9:51
